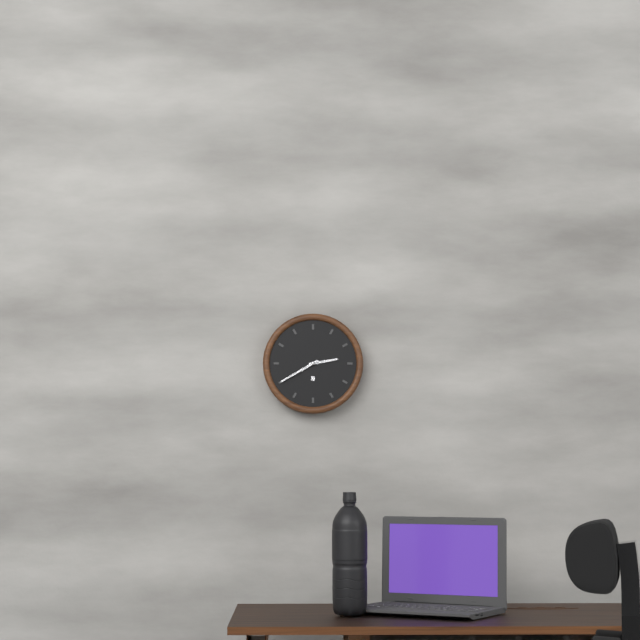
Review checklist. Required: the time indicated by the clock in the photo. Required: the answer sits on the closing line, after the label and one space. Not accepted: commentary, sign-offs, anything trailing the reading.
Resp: 2:40
